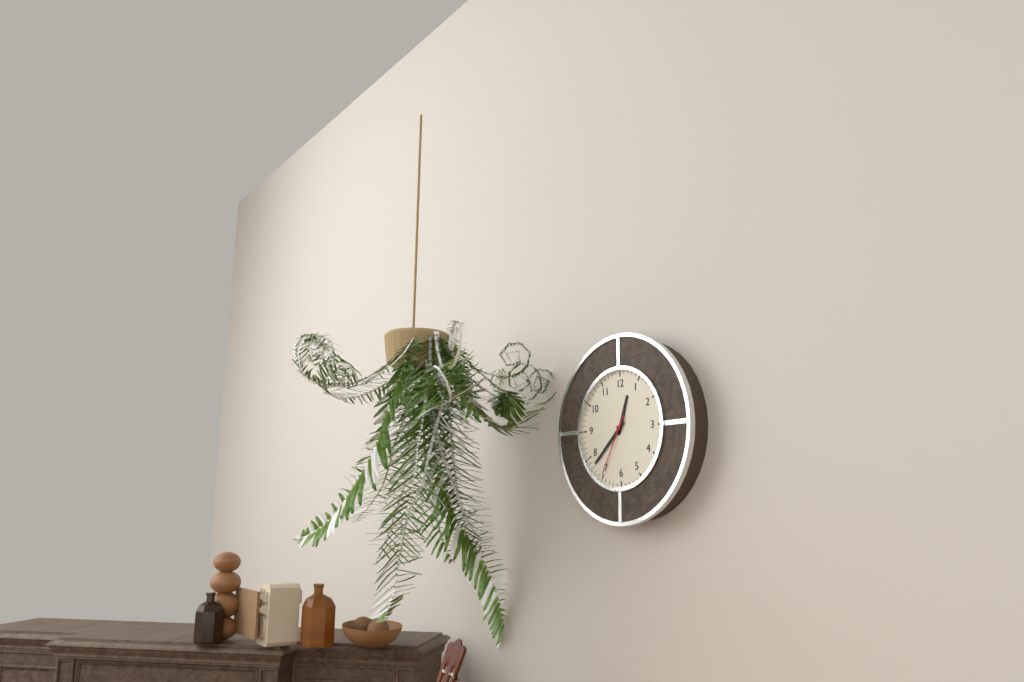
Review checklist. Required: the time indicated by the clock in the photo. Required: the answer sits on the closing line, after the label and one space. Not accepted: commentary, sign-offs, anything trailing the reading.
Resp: 12:38:35
